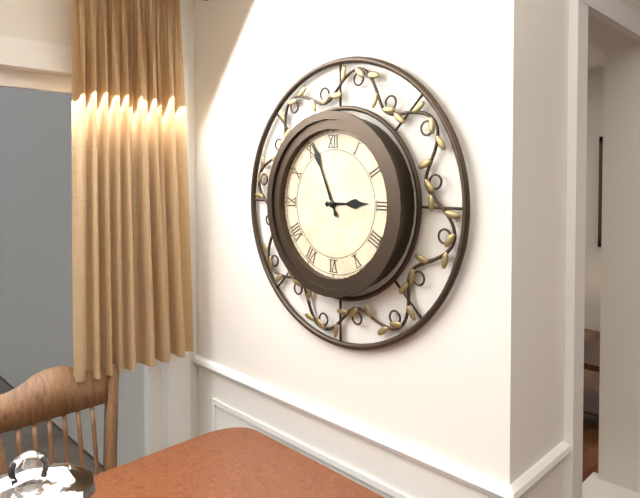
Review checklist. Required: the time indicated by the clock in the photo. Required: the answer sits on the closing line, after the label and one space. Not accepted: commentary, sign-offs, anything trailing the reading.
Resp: 2:56
